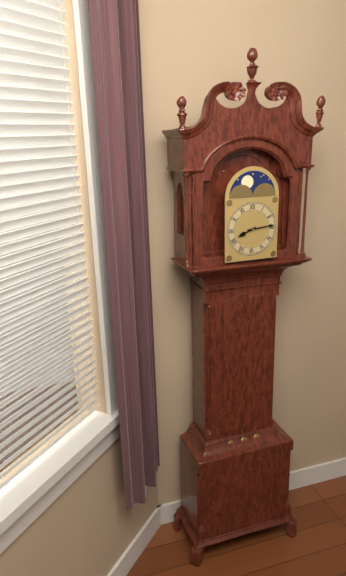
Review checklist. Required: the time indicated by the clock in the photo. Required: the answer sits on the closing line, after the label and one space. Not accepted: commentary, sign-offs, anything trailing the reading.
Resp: 8:14
